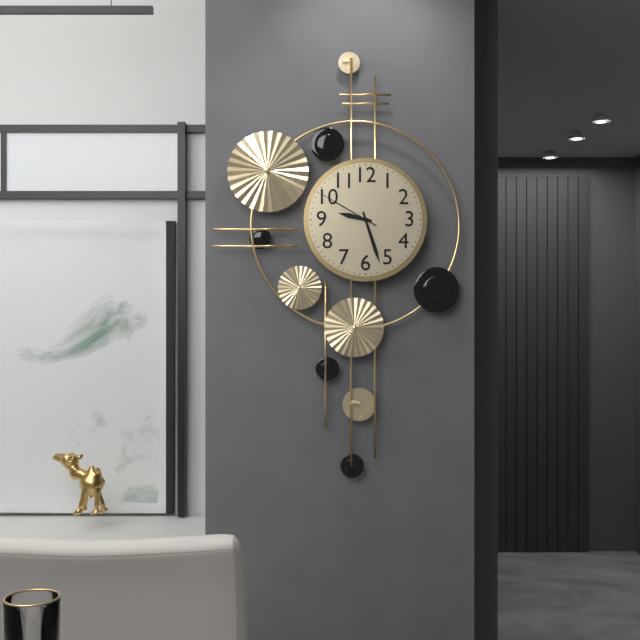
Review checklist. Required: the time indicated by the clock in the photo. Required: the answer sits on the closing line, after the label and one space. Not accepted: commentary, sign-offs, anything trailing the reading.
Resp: 9:27:50
